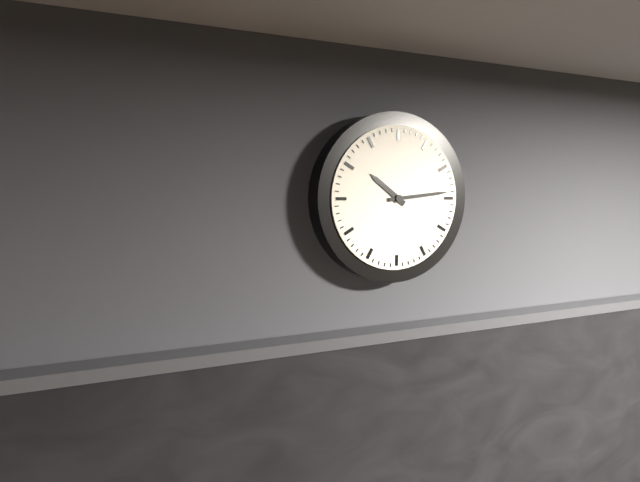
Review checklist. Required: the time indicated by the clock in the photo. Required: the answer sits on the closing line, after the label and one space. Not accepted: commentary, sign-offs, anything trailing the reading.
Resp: 10:14
